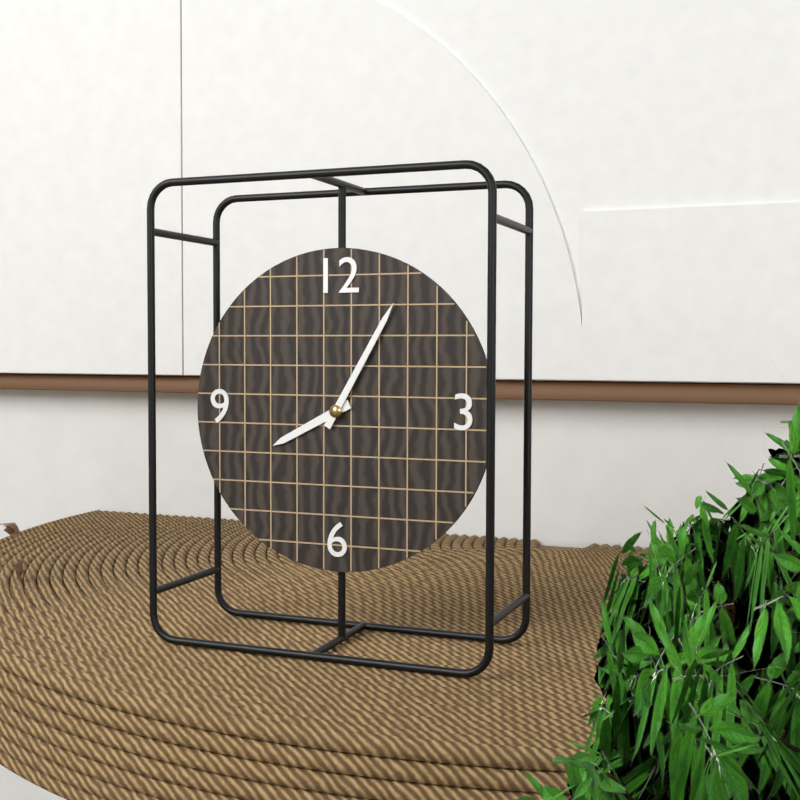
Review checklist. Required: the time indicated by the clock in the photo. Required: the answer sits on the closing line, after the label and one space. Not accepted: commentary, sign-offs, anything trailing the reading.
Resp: 8:05
